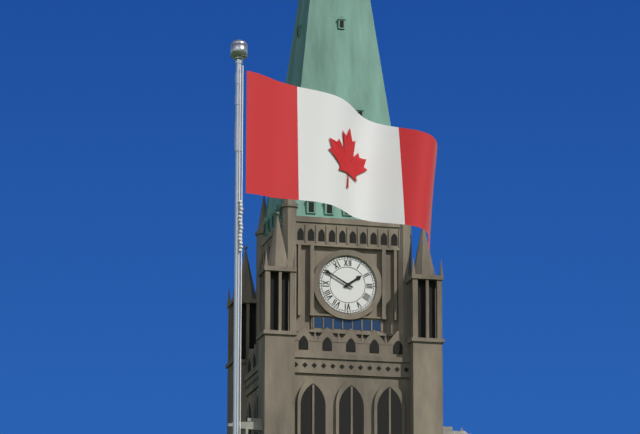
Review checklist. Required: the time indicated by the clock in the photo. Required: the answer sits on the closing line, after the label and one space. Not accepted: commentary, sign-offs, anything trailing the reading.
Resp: 1:50
